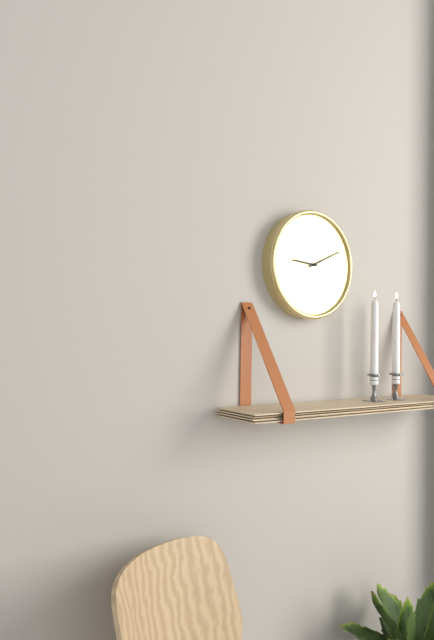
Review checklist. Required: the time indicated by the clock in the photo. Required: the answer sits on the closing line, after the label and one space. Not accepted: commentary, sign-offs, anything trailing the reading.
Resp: 9:11
